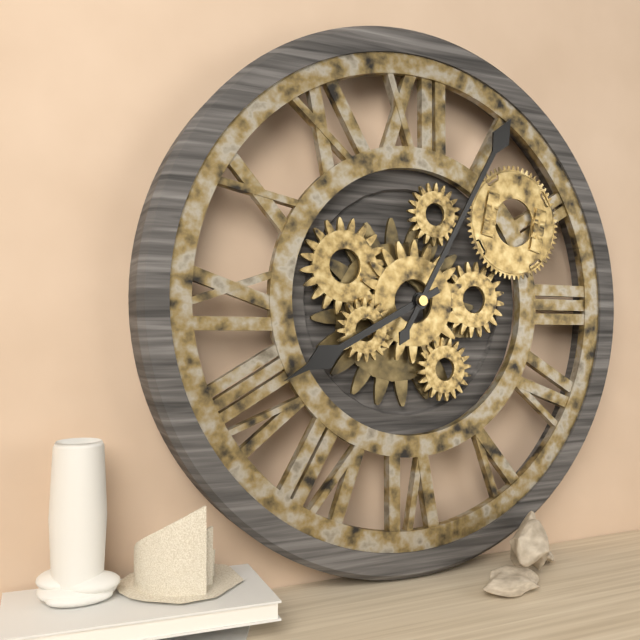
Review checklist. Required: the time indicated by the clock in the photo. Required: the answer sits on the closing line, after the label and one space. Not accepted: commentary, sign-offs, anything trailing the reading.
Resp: 8:05
